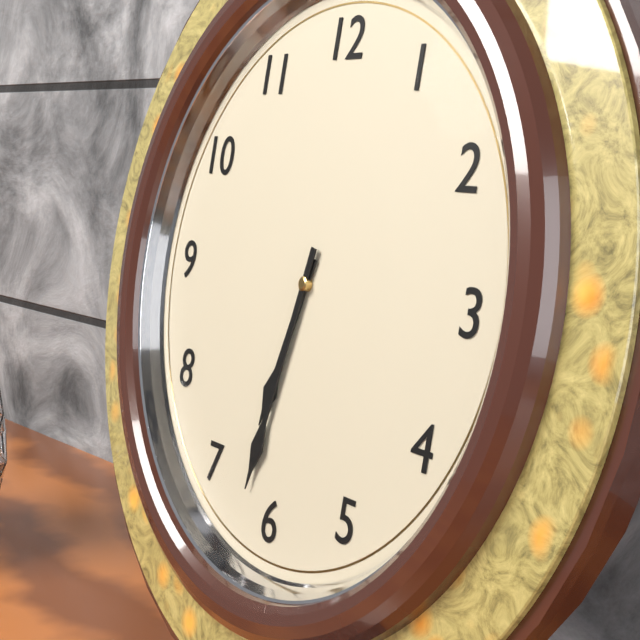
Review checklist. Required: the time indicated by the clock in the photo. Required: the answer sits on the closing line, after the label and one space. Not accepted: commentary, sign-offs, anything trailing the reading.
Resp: 6:32
